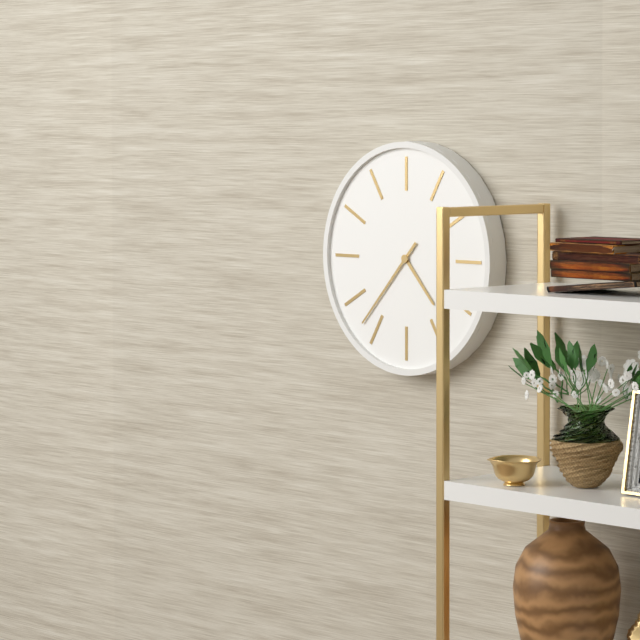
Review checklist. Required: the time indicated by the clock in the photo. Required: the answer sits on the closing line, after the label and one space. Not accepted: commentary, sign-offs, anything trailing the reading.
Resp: 4:37
